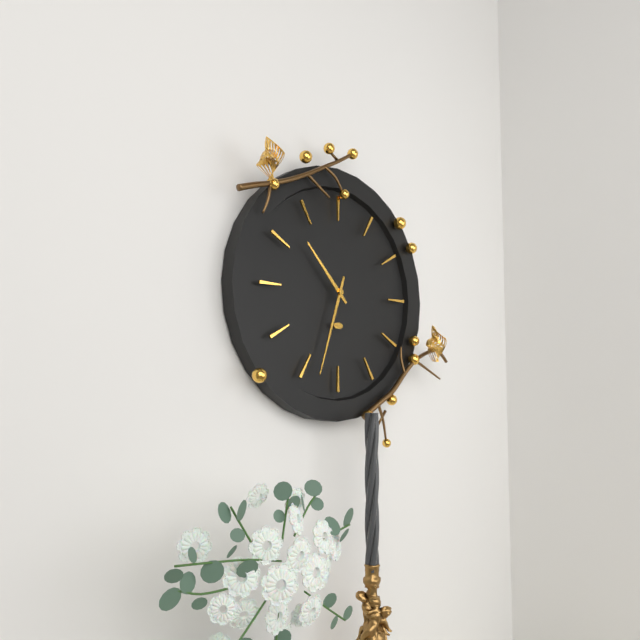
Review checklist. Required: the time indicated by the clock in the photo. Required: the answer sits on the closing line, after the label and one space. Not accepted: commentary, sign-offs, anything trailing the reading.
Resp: 10:33
